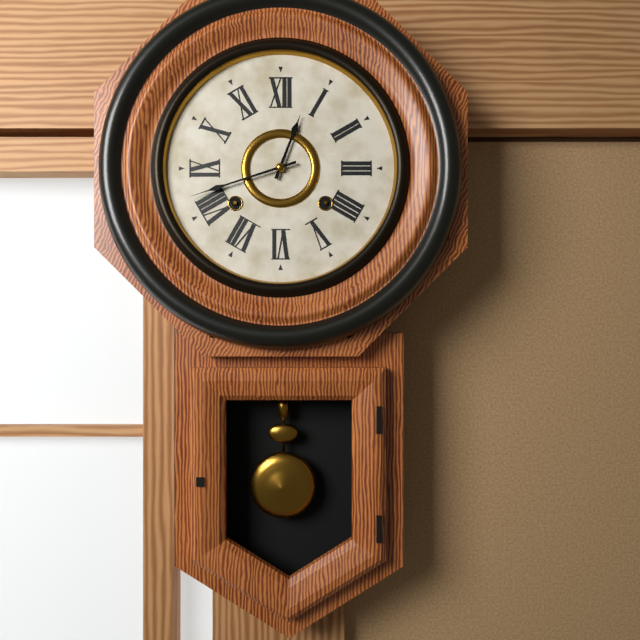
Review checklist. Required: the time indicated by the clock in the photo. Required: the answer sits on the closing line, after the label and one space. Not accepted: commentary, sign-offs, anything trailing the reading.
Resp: 12:42
